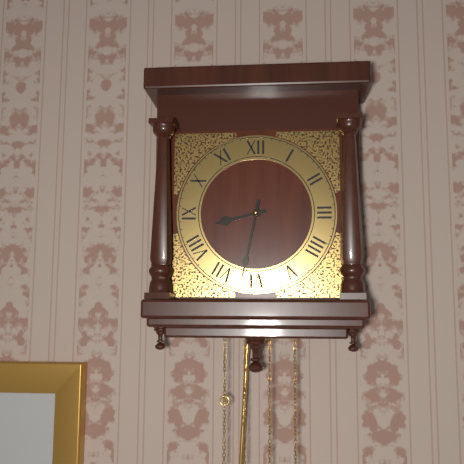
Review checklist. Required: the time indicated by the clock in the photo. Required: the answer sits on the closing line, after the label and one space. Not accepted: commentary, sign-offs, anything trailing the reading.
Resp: 8:32
